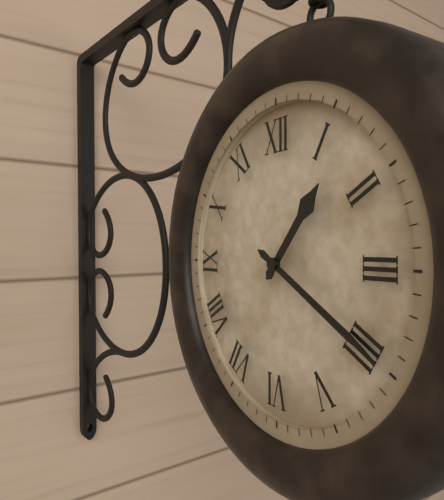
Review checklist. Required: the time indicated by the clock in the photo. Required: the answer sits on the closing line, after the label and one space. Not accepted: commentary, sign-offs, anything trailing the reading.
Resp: 1:20
